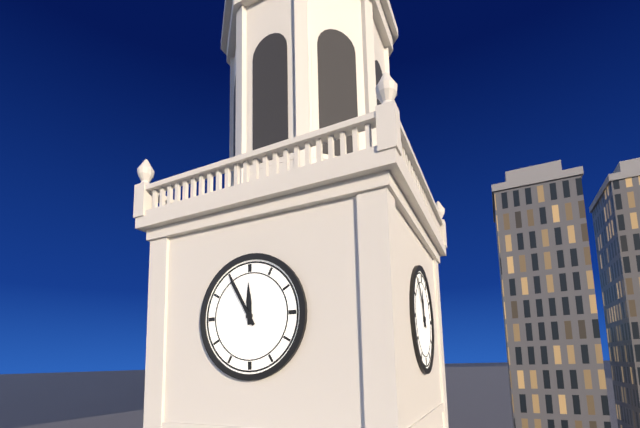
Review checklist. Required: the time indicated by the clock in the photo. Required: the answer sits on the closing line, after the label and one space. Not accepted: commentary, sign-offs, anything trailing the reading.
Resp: 11:55
